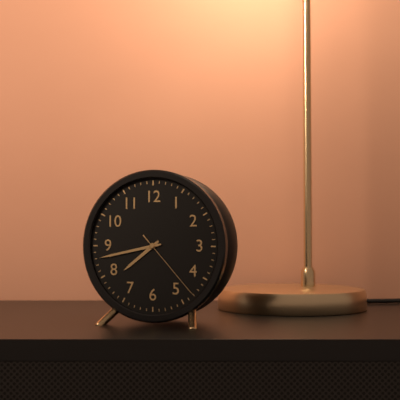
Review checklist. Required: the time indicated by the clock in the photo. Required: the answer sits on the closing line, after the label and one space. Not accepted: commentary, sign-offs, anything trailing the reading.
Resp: 7:43:23
